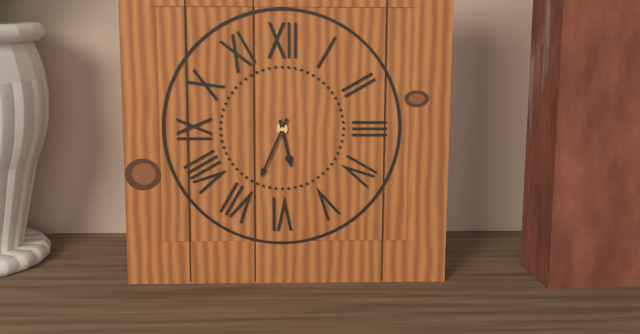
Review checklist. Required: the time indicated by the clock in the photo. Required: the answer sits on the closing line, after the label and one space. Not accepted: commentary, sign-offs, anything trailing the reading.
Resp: 5:34
